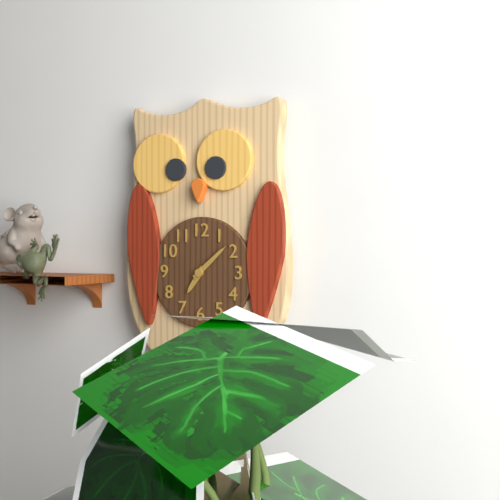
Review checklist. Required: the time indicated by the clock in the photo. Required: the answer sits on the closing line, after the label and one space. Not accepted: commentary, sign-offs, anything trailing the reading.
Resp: 7:08
